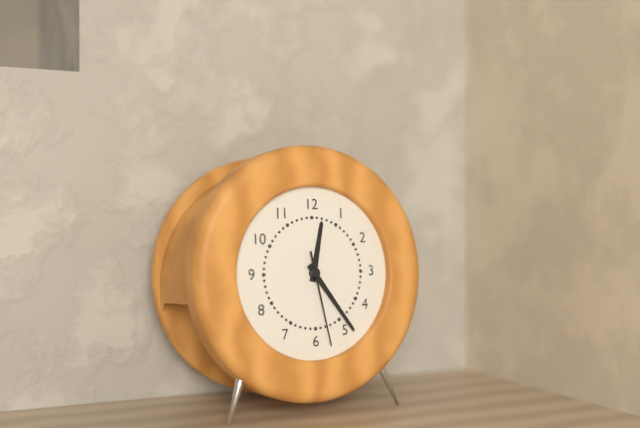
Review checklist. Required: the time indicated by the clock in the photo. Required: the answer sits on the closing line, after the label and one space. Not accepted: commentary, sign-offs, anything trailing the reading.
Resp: 12:24:28
